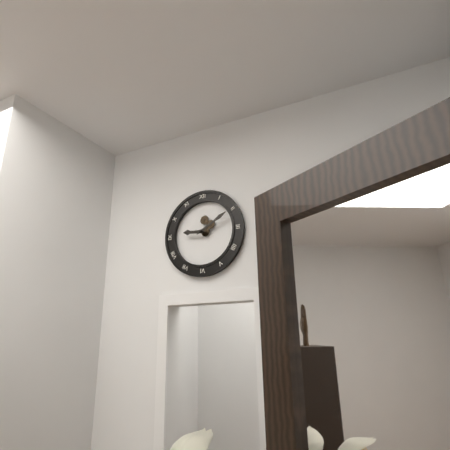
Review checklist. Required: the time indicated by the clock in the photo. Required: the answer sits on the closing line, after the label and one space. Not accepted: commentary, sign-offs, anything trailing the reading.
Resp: 9:10
